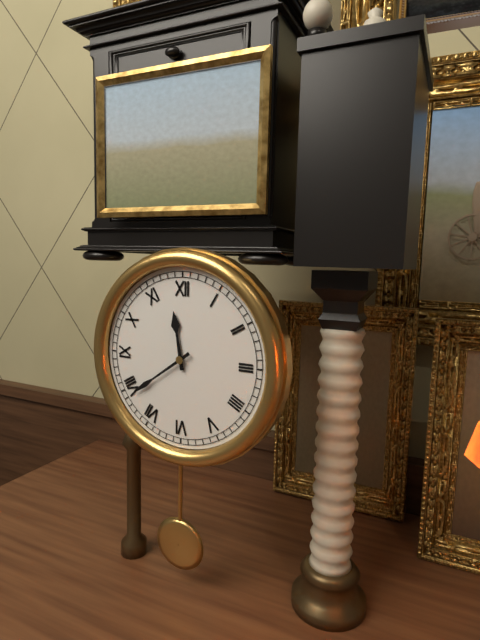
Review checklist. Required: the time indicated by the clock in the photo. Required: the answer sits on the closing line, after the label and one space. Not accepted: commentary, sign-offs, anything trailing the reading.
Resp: 11:39
